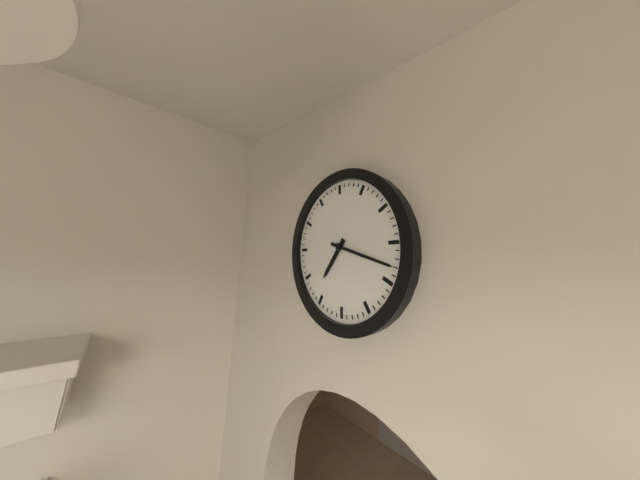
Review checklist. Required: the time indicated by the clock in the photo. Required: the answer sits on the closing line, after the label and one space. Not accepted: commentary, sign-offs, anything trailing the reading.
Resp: 7:18
